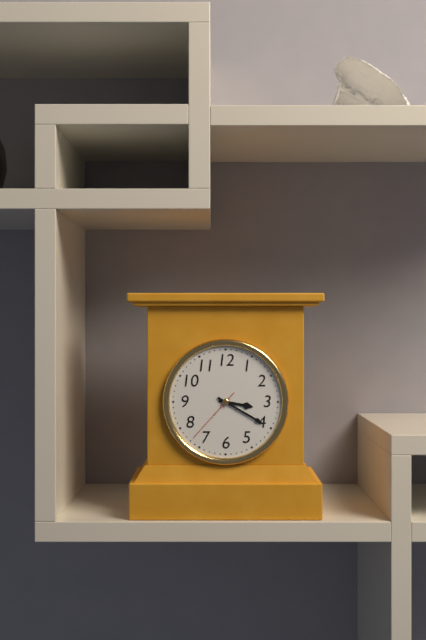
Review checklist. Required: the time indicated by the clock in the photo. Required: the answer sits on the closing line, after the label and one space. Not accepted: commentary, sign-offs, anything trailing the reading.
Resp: 3:20:37
